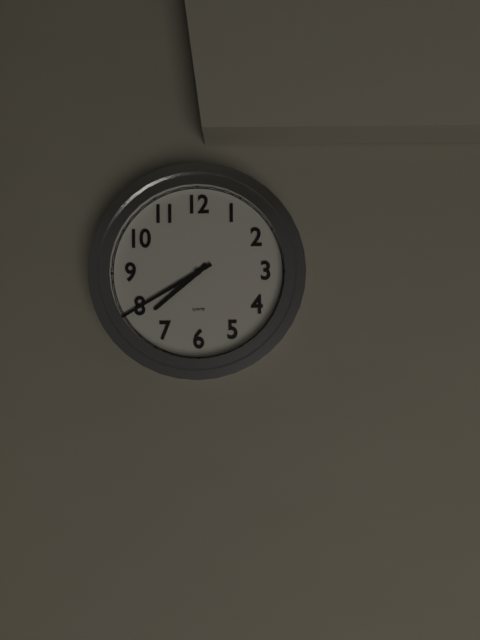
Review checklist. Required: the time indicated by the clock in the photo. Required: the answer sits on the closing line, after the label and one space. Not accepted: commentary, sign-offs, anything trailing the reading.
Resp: 7:40
